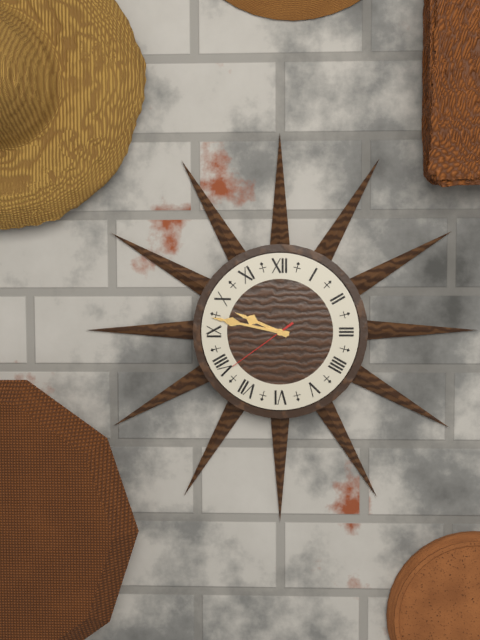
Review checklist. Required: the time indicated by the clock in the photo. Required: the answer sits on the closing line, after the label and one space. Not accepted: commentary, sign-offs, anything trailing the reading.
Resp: 9:47:39
